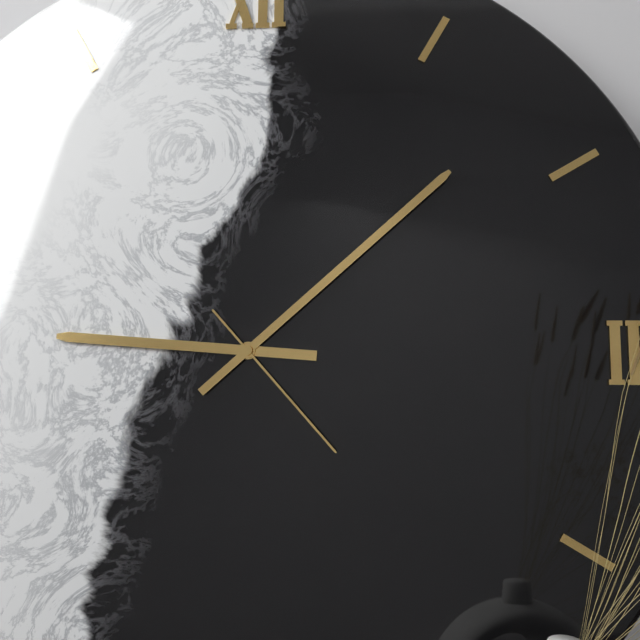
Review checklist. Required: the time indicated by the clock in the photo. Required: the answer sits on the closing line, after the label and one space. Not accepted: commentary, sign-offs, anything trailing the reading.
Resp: 9:08:23
